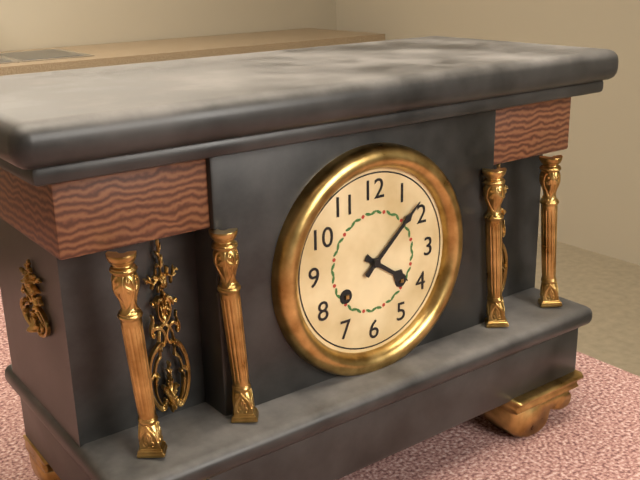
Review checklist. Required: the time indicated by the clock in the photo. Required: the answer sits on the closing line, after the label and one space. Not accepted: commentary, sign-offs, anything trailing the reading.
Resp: 4:08
